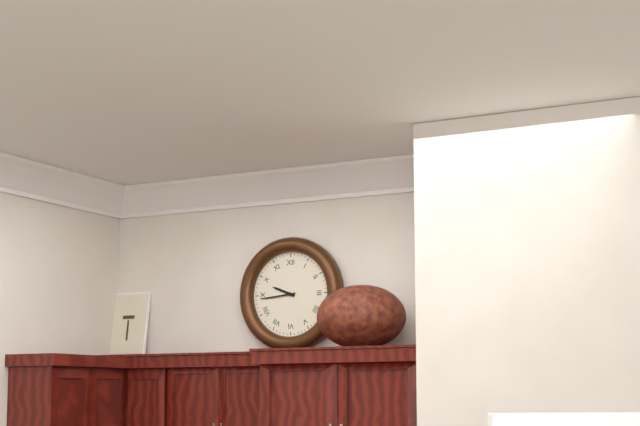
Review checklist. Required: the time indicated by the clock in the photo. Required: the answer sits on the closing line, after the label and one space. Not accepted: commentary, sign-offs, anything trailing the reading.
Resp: 9:44
